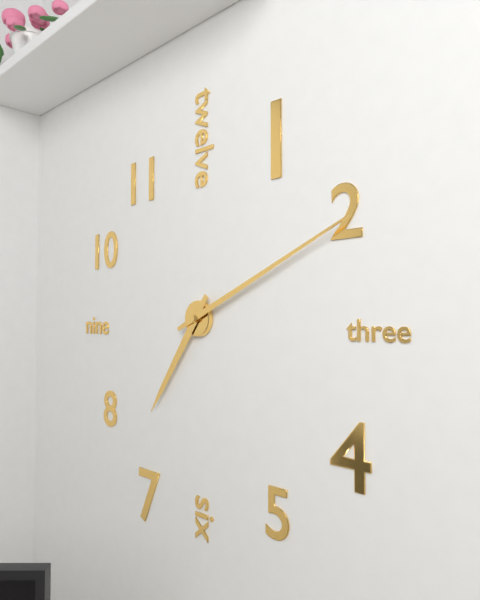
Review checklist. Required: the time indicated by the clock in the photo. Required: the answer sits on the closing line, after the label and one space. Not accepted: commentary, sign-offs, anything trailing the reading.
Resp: 7:11
